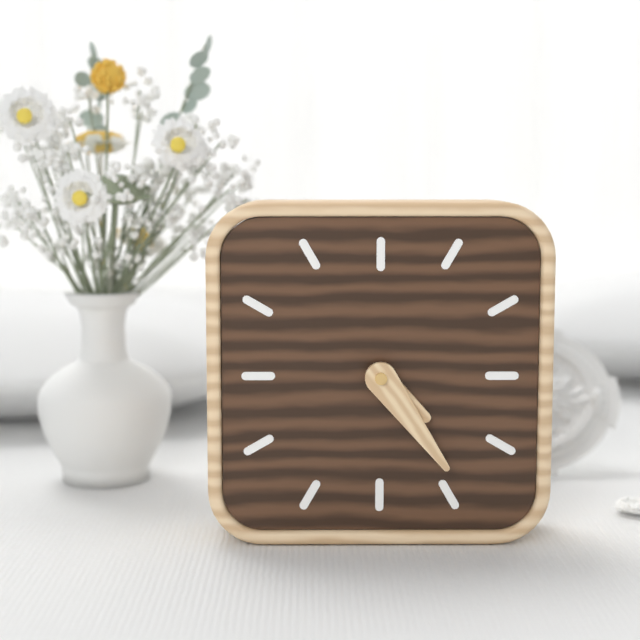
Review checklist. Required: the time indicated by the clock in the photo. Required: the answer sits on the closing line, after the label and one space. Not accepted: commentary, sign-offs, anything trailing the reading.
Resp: 4:24
